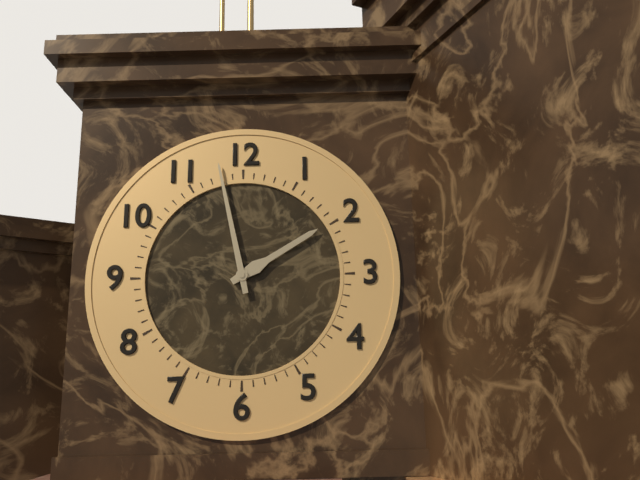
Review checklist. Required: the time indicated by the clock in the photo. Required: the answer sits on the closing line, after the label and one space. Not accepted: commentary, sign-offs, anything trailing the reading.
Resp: 1:58
